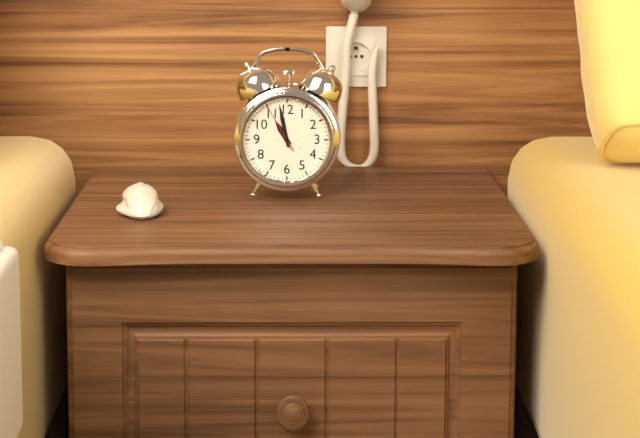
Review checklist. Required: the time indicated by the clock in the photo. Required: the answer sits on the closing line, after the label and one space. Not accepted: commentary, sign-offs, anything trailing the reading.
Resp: 10:58
